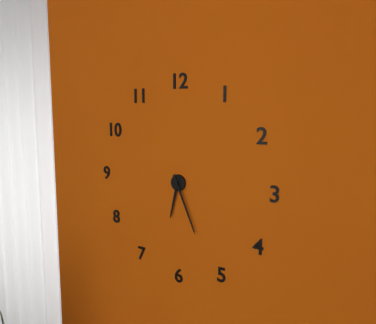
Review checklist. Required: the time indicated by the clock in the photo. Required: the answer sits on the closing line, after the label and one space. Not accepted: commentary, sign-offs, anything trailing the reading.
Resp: 6:26
